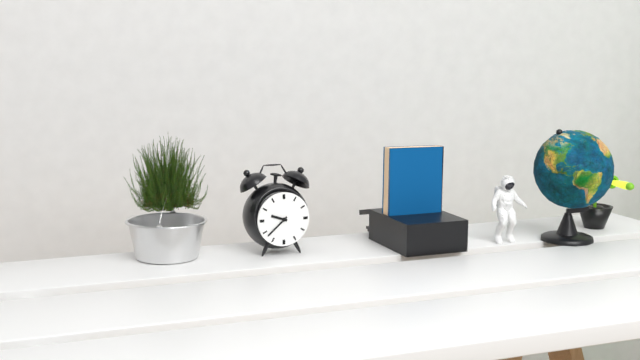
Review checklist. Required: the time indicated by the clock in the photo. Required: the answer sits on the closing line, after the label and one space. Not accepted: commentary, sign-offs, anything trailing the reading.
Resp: 9:38
